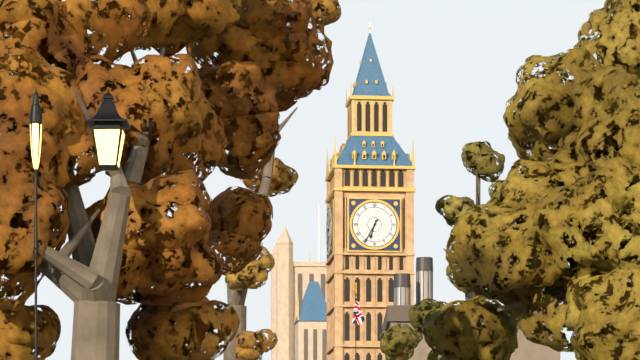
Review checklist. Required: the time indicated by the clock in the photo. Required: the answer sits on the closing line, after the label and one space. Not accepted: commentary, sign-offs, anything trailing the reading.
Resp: 6:35
